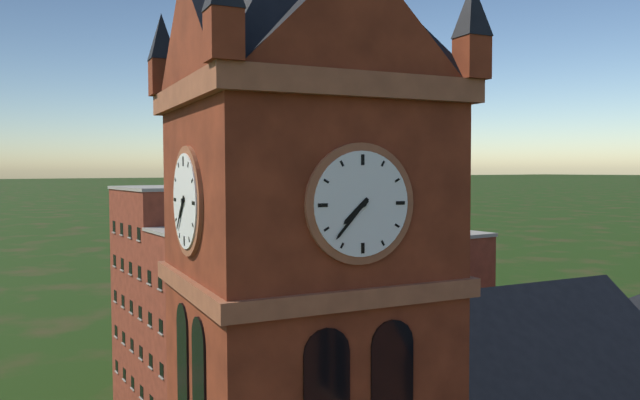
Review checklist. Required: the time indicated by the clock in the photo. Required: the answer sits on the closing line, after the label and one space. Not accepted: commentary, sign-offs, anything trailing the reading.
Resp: 7:37
